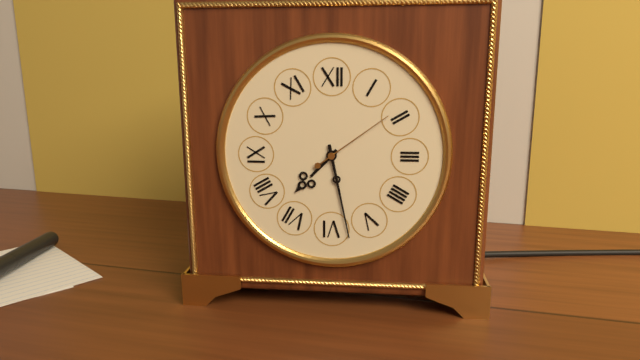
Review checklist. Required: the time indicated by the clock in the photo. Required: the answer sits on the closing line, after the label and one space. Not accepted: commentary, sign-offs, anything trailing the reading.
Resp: 7:28:09
